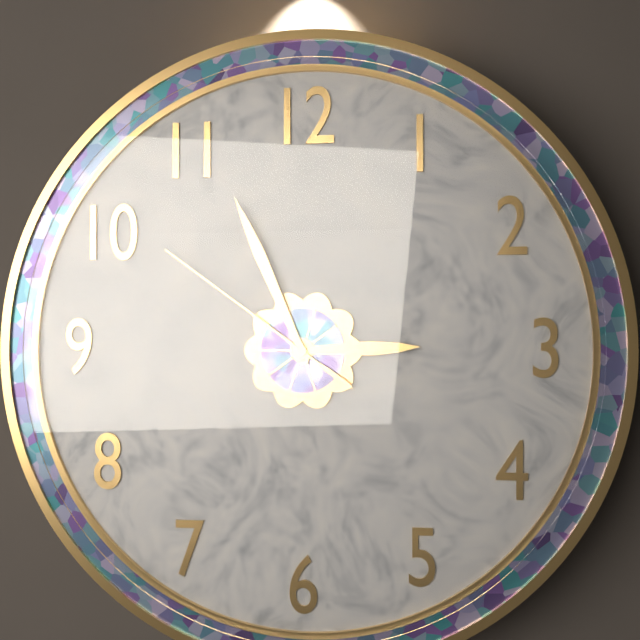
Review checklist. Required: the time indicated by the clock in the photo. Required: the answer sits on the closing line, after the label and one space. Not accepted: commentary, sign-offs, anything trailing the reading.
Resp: 2:56:51
